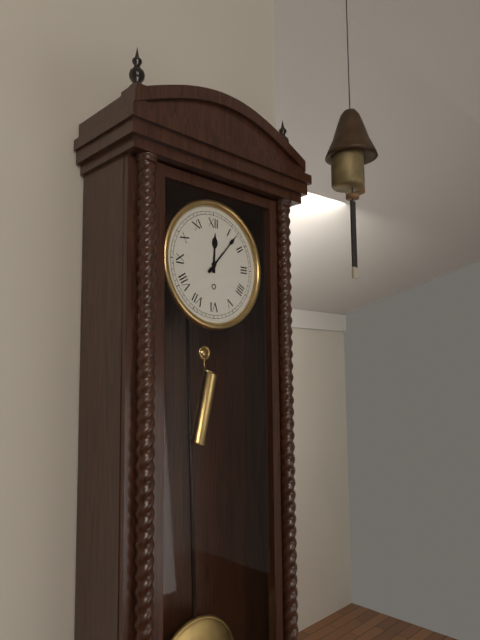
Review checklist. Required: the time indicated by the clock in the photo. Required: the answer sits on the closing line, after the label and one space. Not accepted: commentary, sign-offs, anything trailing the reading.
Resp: 12:07
